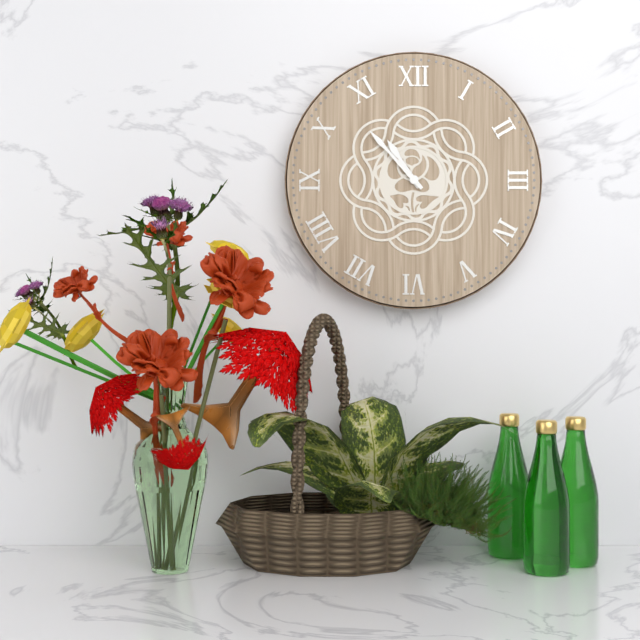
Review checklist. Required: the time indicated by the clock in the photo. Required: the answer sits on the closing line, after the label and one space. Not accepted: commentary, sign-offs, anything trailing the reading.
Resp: 10:53
